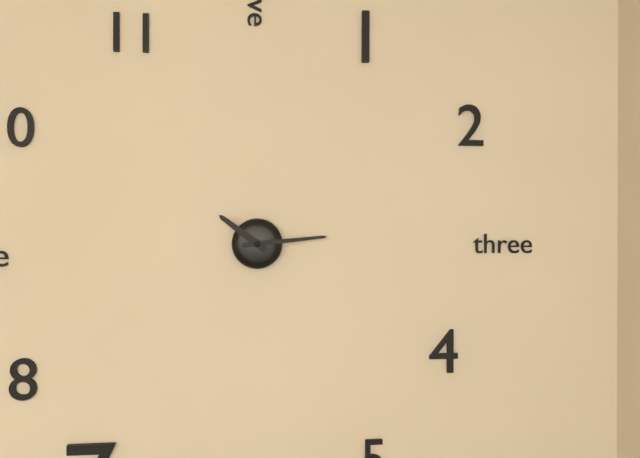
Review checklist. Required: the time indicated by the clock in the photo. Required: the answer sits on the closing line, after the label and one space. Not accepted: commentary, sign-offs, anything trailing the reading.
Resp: 10:14
